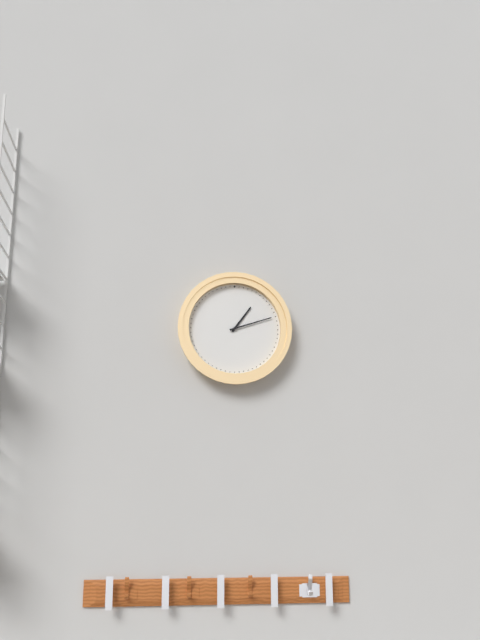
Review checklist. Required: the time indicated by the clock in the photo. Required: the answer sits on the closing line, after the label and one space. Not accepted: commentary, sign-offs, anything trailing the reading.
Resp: 1:12
